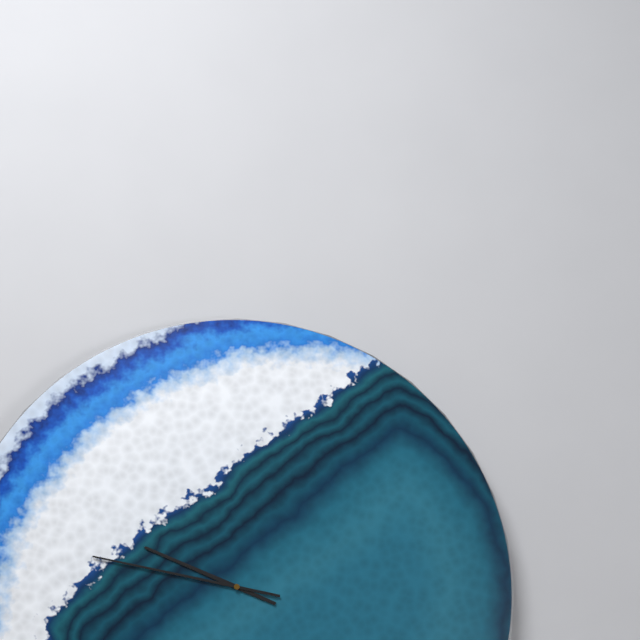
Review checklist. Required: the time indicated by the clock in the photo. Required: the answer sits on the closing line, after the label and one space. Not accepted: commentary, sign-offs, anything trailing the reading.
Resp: 9:47
